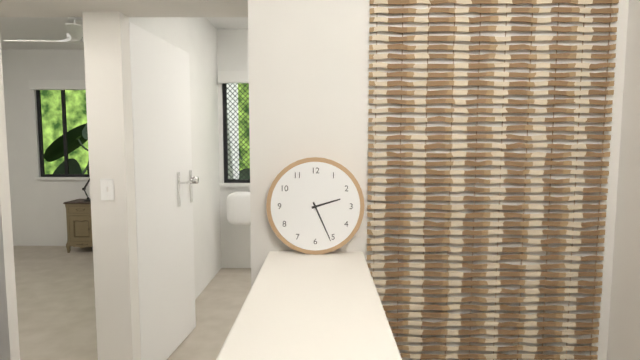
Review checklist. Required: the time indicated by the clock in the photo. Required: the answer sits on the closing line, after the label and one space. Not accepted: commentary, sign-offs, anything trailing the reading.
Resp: 2:26
